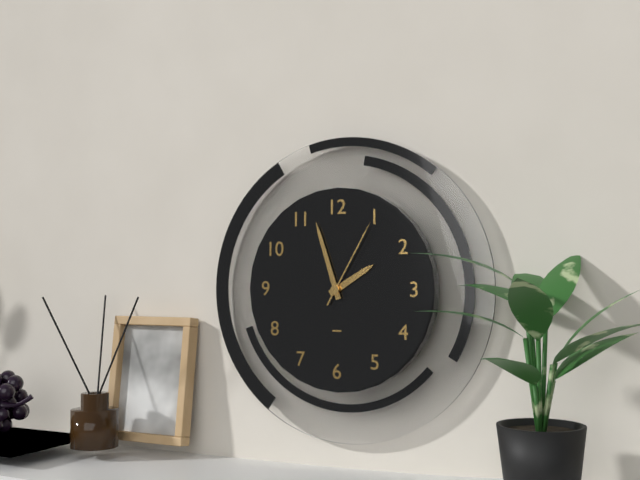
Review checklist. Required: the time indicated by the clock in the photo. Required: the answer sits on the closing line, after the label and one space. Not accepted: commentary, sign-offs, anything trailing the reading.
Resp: 1:57:05
